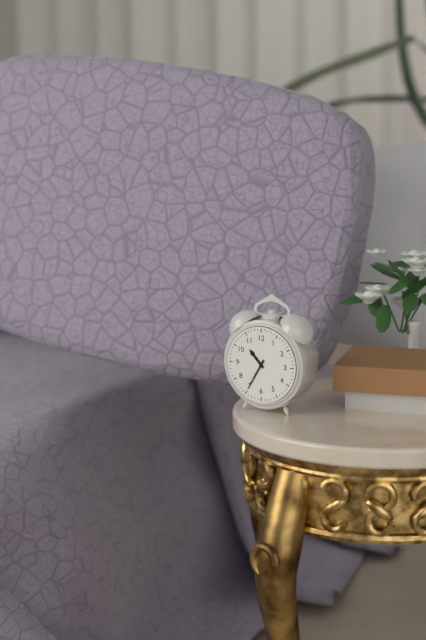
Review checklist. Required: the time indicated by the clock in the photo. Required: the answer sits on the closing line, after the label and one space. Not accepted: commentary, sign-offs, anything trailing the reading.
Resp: 10:35
